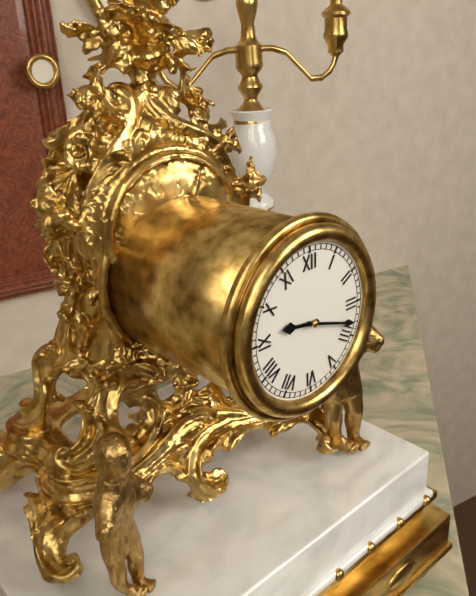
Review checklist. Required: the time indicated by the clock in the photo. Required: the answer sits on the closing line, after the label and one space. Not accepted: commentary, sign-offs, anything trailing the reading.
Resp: 9:18
